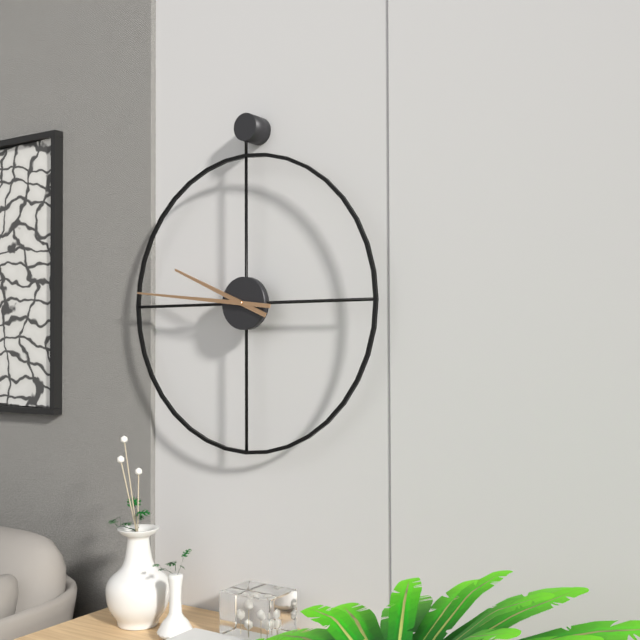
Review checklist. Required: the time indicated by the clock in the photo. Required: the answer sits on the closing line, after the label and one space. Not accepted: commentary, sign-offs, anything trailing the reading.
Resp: 9:46
